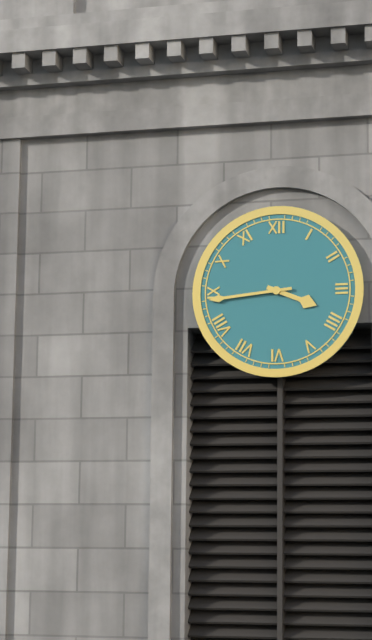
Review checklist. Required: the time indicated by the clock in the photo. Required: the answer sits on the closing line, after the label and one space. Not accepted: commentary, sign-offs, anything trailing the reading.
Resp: 3:44
